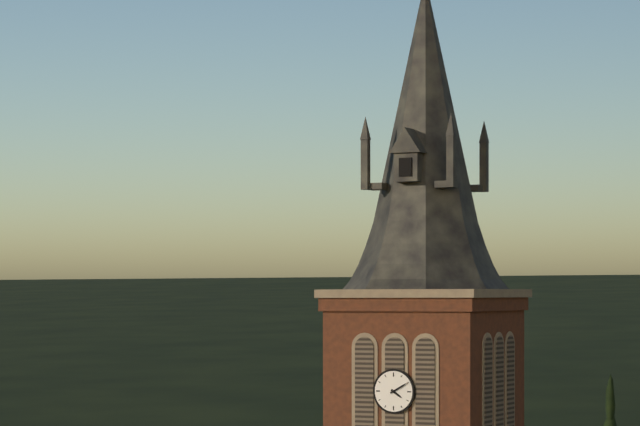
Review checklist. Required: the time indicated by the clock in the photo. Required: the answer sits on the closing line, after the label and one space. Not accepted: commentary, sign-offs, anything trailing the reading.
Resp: 4:10
